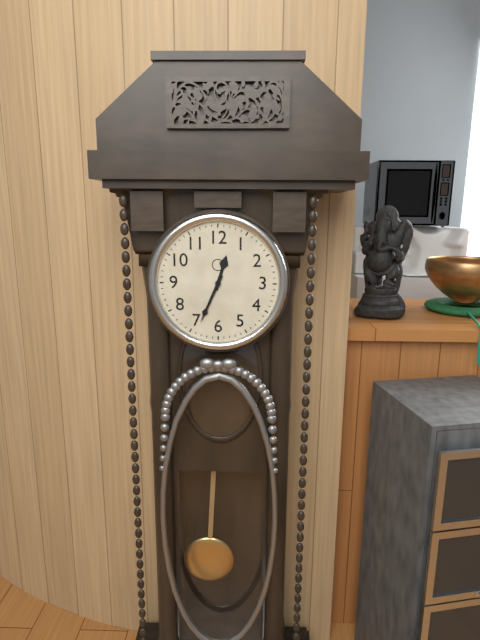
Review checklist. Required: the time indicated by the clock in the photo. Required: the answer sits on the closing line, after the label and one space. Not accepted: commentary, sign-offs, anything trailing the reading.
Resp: 12:34
